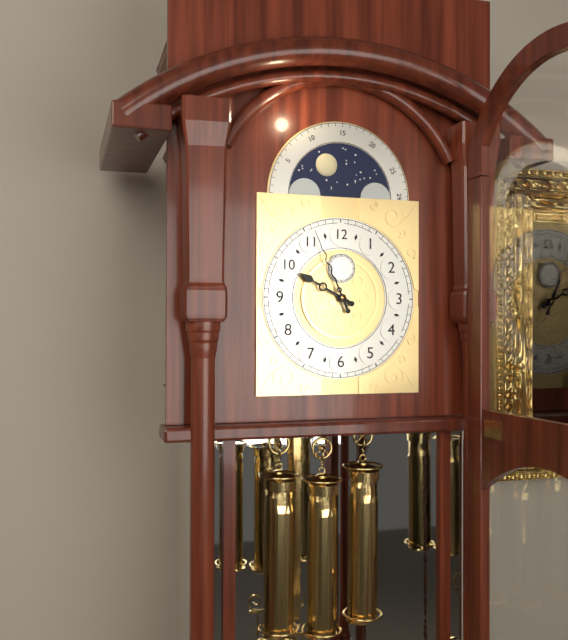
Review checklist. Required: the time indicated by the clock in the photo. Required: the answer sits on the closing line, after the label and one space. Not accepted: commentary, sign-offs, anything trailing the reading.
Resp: 9:56
